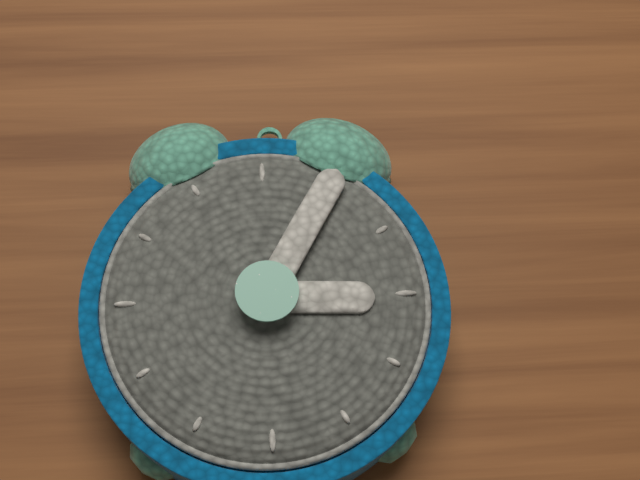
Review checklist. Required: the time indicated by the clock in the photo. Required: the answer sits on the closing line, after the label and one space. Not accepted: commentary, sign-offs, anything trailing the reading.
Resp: 3:05
